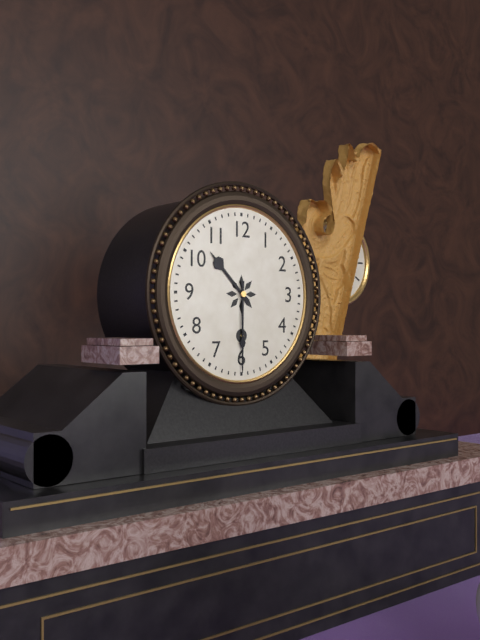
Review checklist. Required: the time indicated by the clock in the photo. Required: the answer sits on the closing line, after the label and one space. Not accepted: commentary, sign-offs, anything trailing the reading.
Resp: 10:30
